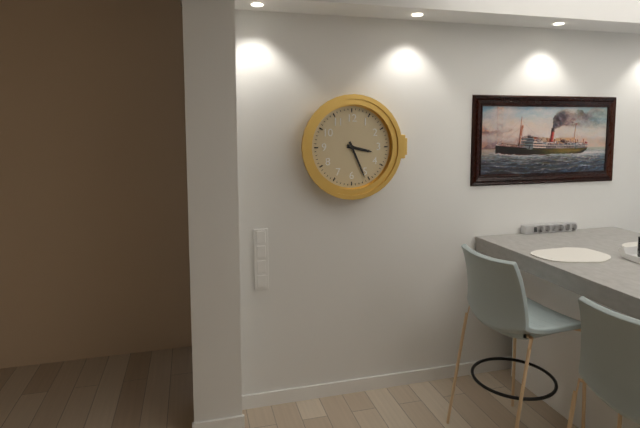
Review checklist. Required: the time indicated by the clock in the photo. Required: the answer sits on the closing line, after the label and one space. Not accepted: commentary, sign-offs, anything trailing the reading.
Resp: 3:26
